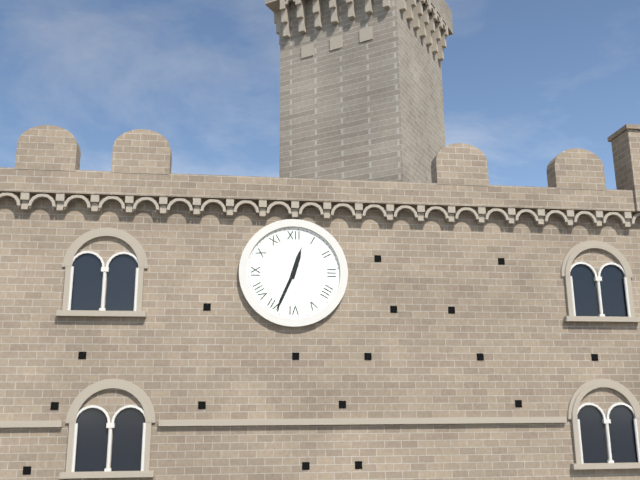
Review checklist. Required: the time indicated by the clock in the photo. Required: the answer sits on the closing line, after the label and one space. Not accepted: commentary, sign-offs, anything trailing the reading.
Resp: 12:34
